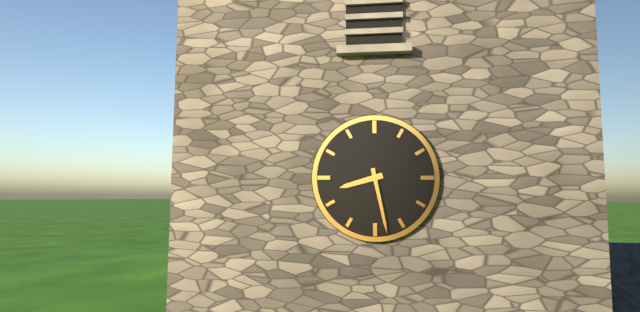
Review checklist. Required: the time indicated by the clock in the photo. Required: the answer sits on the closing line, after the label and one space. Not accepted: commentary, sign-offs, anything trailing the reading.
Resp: 8:28
